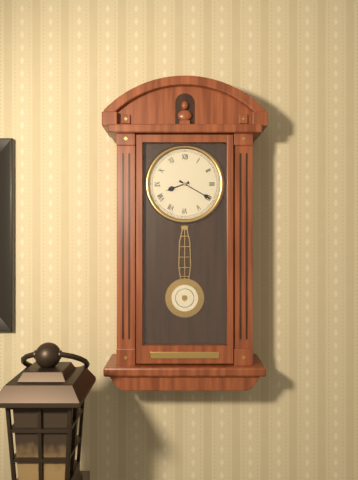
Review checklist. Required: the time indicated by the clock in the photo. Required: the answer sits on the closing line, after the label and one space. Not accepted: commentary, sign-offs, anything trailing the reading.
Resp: 8:20
